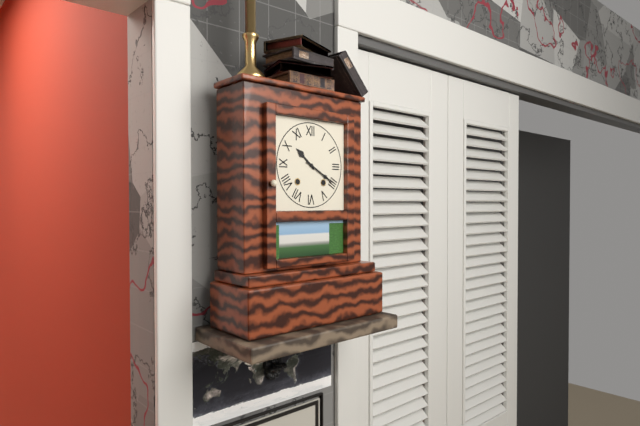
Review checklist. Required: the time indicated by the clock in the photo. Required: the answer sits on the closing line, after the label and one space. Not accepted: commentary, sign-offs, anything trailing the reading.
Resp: 10:20
